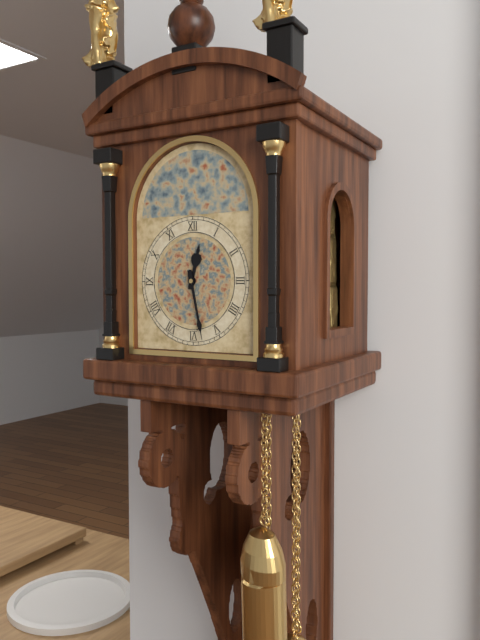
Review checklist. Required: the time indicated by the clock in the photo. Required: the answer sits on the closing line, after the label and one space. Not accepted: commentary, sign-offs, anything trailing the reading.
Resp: 12:28
